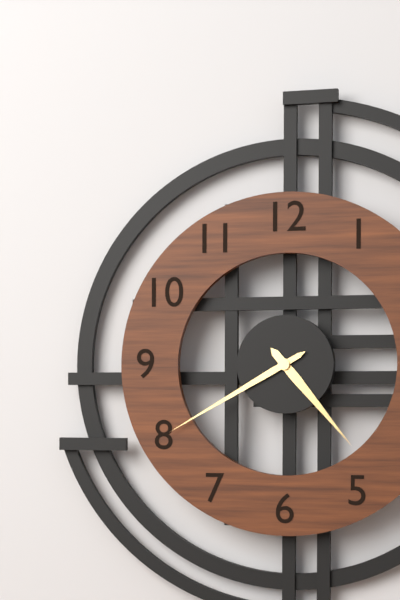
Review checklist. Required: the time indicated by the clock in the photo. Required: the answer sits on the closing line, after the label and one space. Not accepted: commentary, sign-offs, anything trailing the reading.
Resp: 4:40
